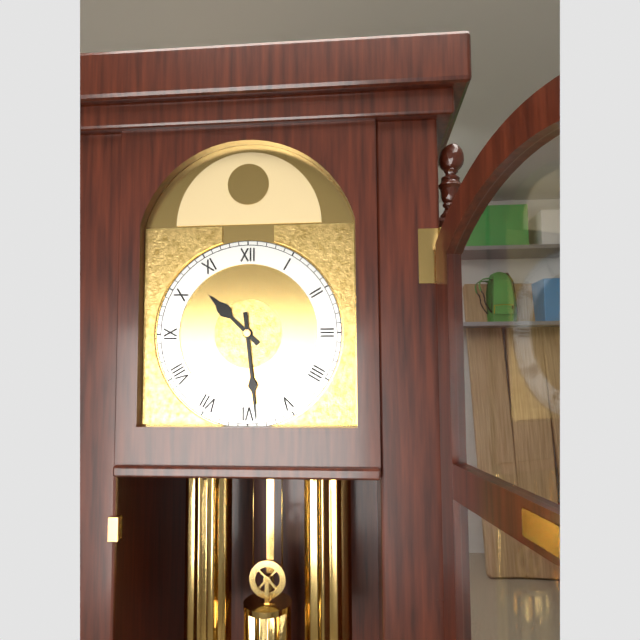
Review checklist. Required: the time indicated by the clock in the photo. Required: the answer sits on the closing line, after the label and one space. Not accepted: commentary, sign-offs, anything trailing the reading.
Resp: 10:29
